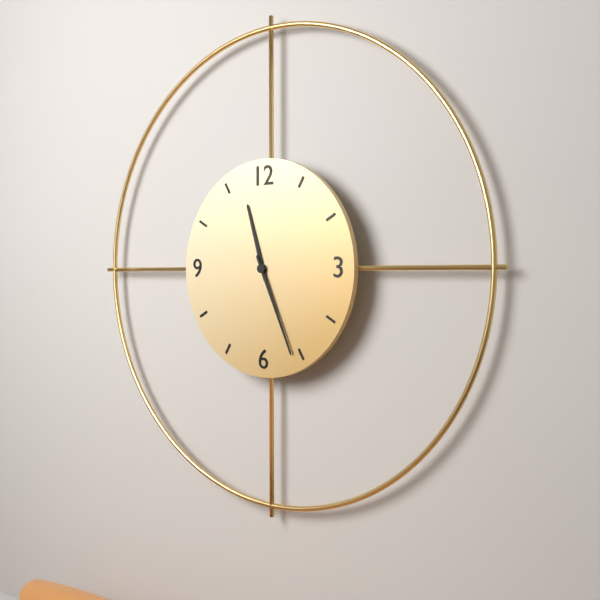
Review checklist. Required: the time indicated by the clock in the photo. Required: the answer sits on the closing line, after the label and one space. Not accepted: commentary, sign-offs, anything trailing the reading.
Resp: 11:26
